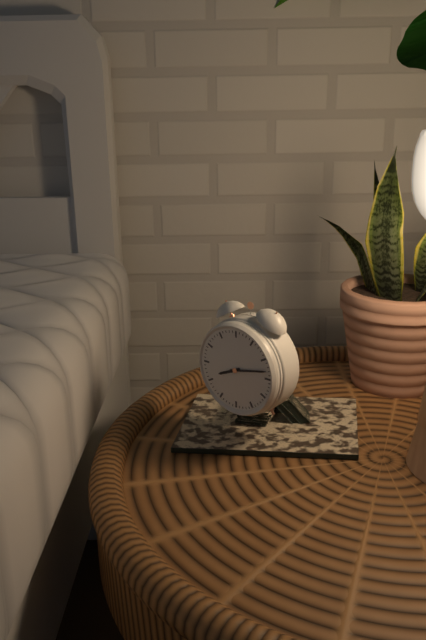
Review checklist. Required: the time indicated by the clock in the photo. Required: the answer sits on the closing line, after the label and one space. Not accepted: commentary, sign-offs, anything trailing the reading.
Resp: 8:13
